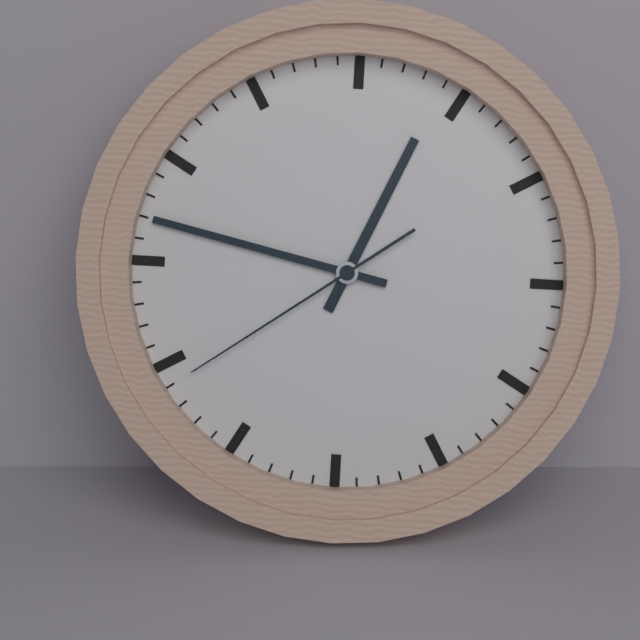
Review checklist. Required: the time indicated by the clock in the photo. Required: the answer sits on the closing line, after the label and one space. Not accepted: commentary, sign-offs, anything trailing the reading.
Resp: 12:47:39
